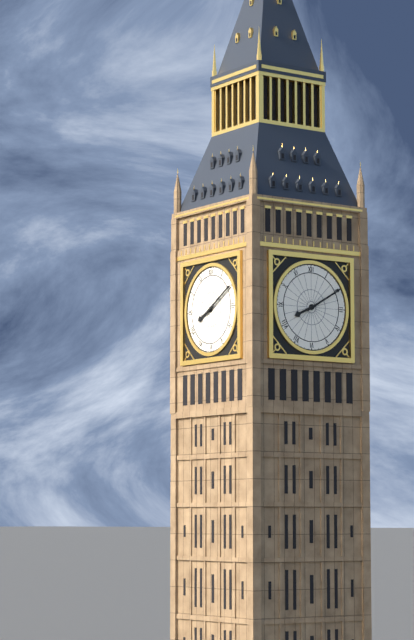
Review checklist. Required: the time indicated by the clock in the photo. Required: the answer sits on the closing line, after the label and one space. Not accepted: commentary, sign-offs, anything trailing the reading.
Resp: 8:10
